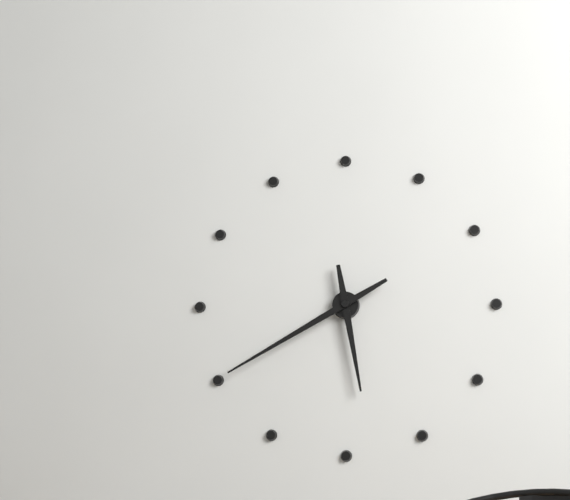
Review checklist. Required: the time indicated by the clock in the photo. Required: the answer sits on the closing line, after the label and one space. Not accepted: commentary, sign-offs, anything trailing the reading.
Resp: 5:40
